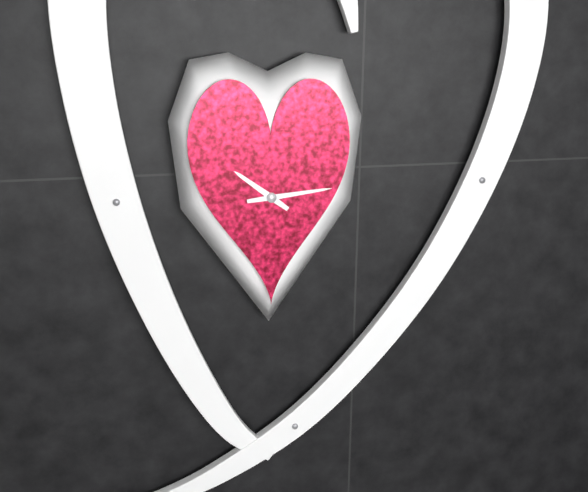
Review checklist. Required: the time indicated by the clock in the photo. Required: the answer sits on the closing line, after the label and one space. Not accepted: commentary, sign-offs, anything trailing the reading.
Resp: 10:14
